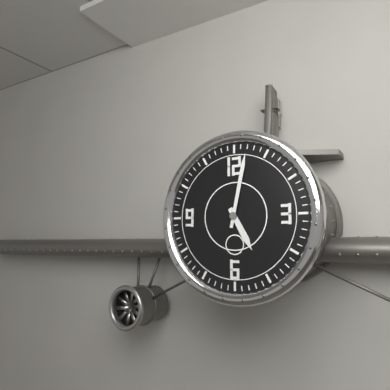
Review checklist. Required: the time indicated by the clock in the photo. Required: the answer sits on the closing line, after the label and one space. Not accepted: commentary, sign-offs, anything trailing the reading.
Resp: 5:02
